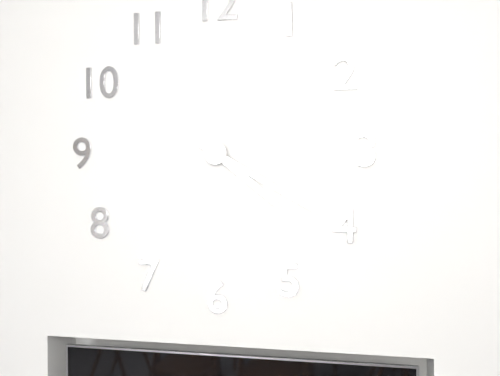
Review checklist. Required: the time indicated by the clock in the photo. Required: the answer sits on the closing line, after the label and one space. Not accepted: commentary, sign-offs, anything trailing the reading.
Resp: 4:20
